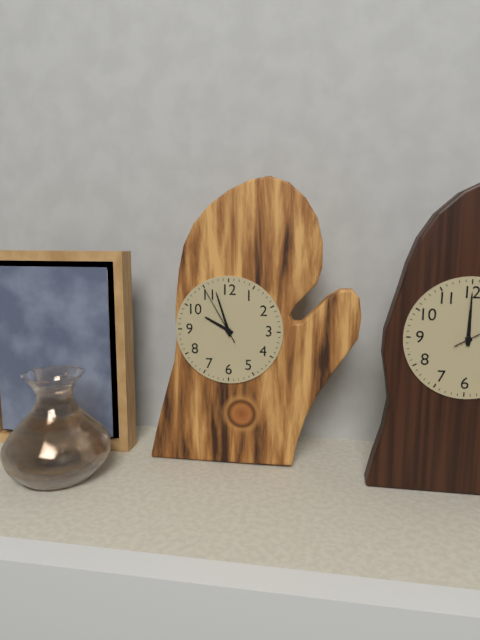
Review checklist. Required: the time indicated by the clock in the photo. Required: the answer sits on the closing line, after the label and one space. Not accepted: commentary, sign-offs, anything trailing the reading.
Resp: 9:57:55
